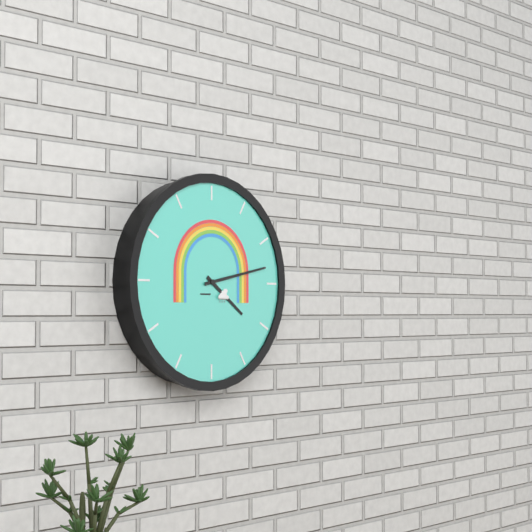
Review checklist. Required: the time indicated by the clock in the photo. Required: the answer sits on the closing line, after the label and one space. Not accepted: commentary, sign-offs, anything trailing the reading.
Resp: 4:13
